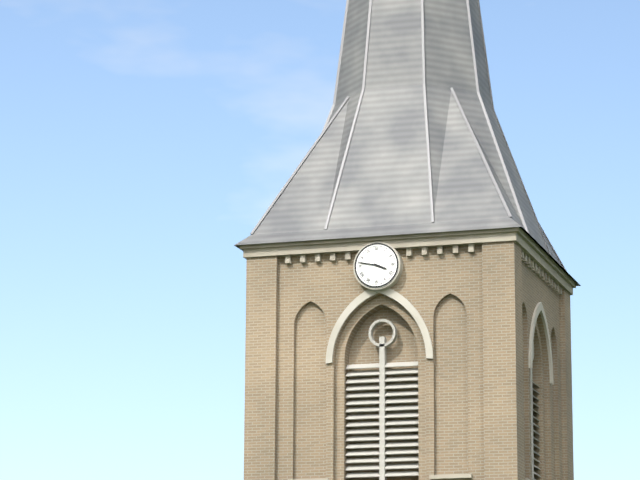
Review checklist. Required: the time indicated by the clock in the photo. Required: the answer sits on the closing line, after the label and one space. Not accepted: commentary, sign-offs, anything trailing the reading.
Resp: 3:47
